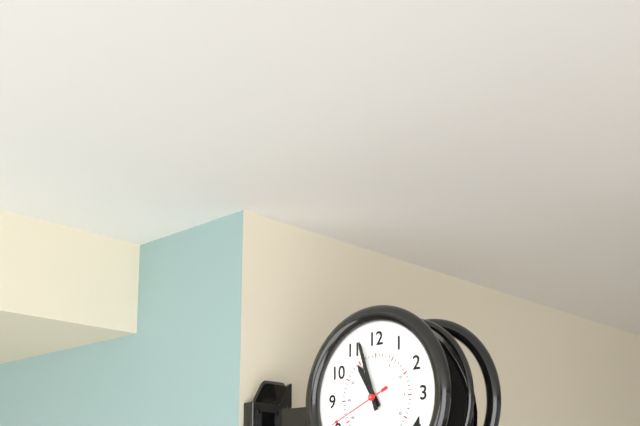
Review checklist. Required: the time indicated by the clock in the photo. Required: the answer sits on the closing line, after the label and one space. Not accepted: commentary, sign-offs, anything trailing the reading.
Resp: 10:57:41
